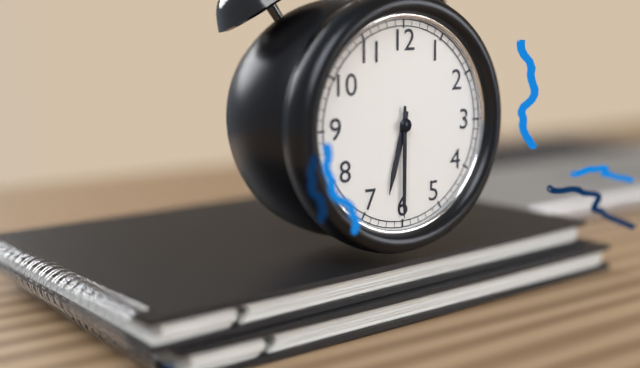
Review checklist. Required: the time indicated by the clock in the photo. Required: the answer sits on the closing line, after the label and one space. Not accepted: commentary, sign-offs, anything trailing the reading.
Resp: 6:30
